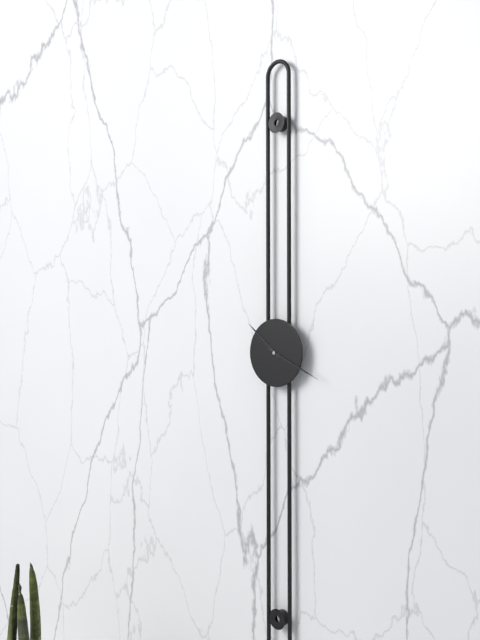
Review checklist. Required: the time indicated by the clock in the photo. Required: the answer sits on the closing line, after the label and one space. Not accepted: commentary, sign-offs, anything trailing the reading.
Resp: 10:19
